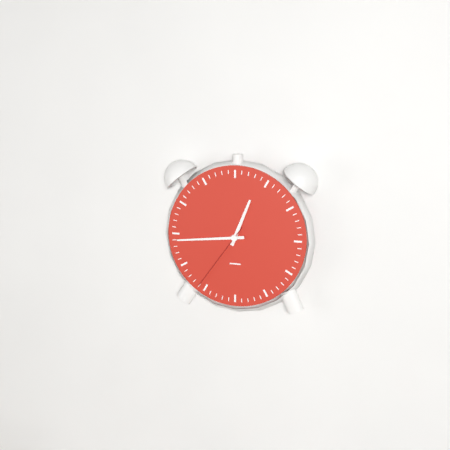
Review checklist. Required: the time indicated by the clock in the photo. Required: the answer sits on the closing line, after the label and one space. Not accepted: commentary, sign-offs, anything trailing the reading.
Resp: 12:44:36
